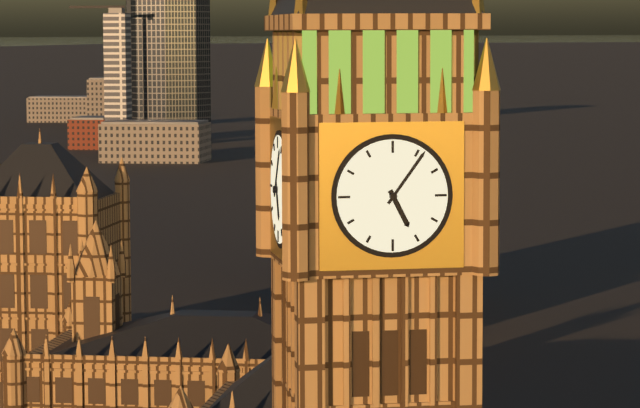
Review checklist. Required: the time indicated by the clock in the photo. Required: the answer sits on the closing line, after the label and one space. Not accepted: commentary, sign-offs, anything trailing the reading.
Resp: 5:06
